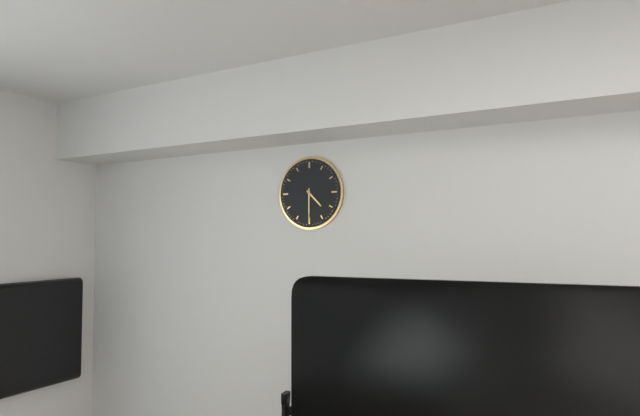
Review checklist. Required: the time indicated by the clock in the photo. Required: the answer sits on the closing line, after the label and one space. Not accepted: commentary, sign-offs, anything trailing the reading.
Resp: 4:30
